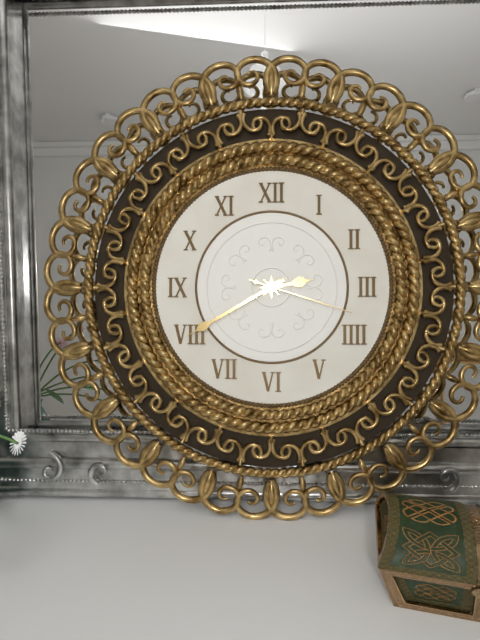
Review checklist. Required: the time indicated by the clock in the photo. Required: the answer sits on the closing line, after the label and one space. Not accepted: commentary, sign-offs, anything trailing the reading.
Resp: 2:40:18
